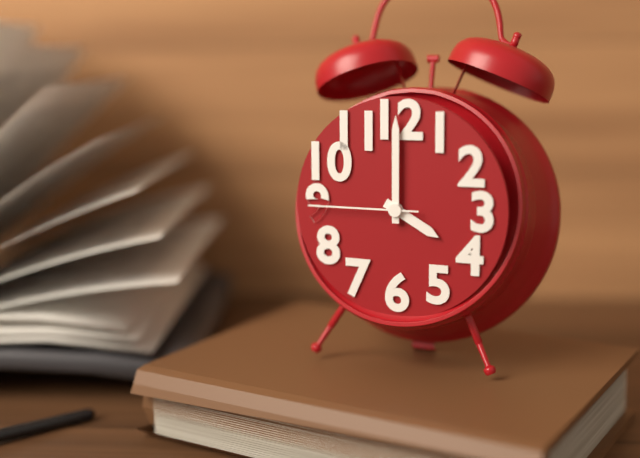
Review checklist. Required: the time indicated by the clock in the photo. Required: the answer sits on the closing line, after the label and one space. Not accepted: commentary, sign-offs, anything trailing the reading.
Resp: 4:00:45
